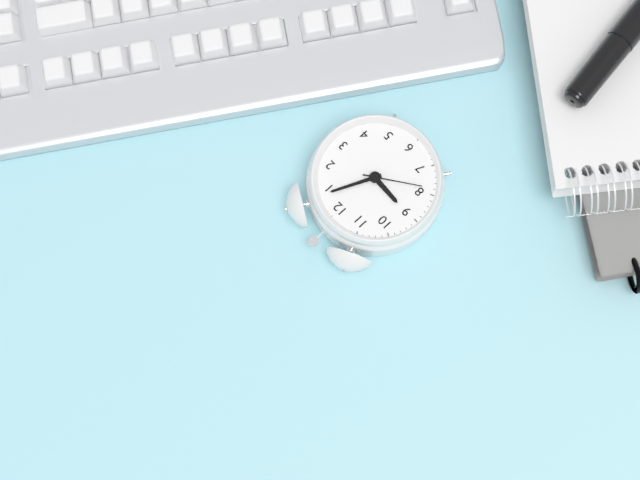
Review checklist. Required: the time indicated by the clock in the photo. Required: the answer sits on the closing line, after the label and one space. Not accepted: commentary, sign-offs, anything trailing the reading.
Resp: 9:04:39
